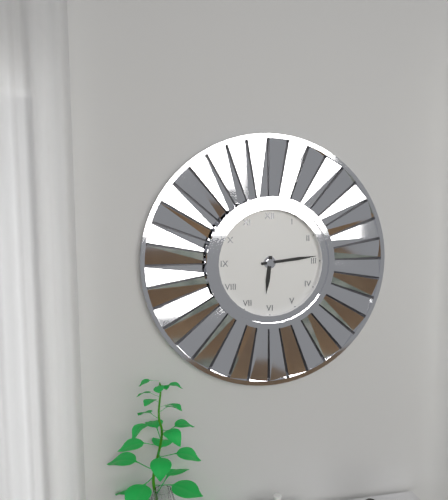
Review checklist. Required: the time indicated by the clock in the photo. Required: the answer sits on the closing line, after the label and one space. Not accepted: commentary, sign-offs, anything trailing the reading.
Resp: 6:14
